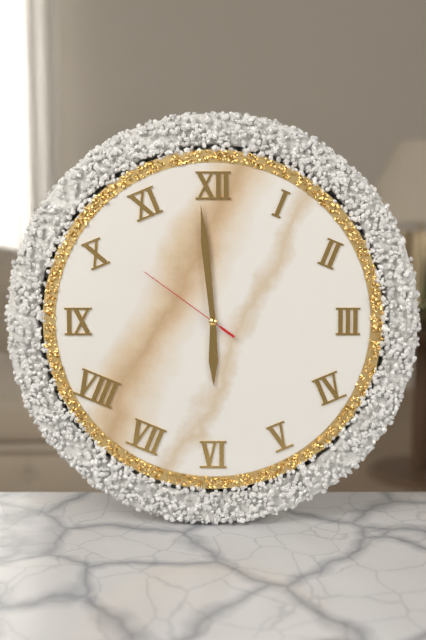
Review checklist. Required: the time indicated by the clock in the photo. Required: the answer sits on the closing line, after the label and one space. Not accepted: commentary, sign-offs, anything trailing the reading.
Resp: 5:59:51
